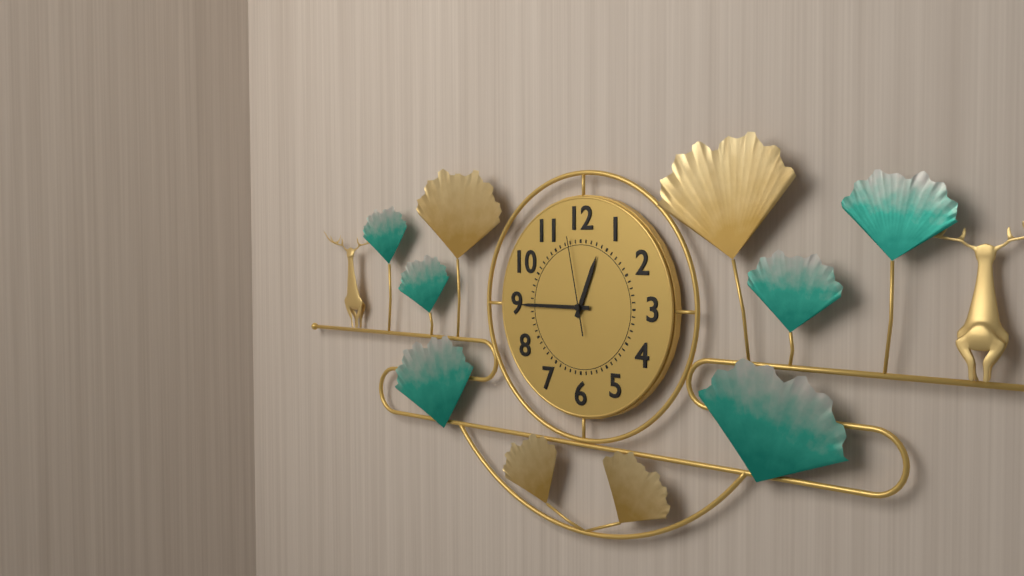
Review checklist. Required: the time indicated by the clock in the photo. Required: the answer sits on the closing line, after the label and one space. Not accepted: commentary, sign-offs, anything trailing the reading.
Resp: 12:45:58
